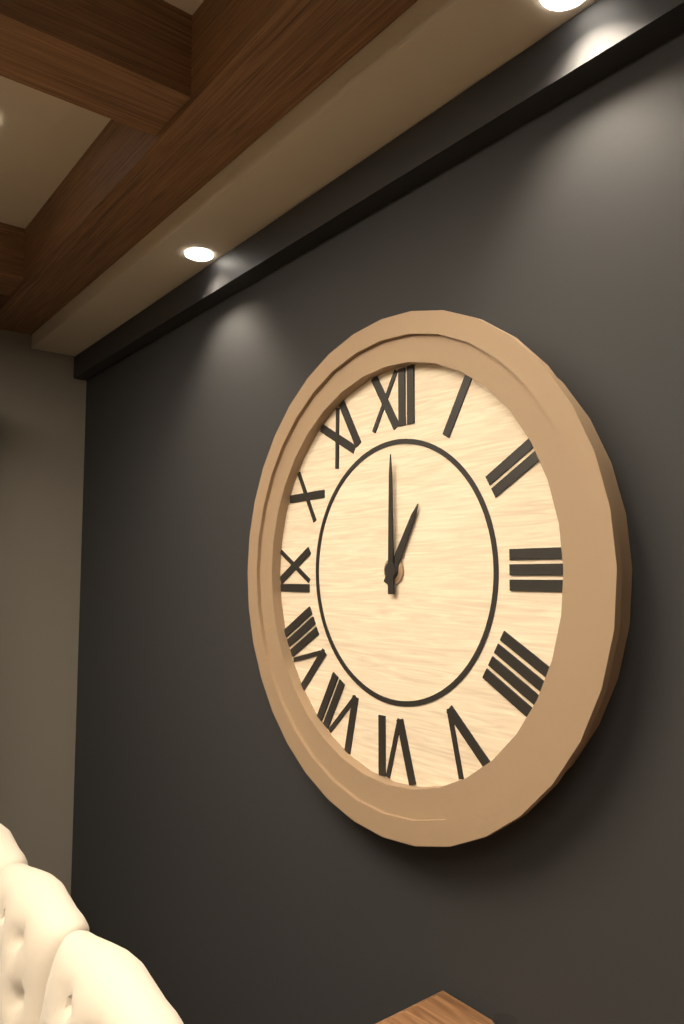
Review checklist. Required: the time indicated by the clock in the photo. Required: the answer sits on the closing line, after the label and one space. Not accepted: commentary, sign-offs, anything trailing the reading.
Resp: 1:00
